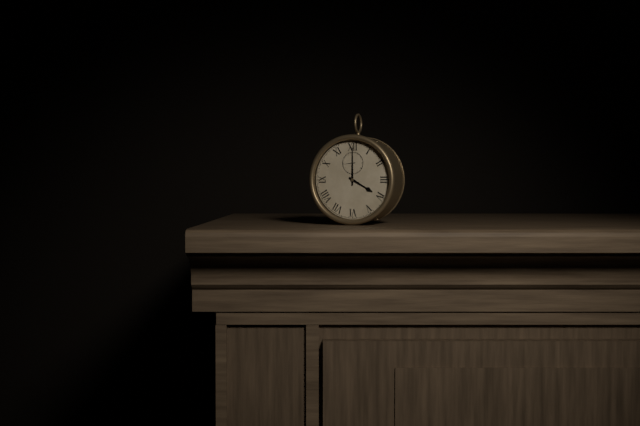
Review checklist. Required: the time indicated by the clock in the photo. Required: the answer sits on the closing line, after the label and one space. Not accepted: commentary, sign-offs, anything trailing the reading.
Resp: 4:00
